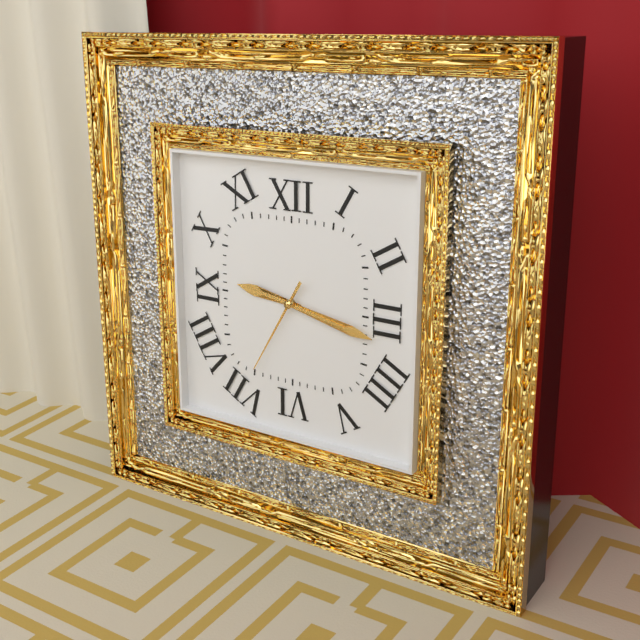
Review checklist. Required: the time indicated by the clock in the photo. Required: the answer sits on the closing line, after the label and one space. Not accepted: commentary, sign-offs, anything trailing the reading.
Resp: 9:17:35
